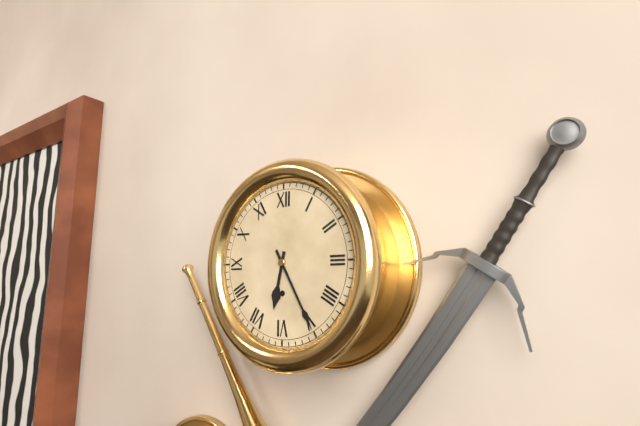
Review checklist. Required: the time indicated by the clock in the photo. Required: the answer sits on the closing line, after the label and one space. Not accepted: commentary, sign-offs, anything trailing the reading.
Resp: 6:25
